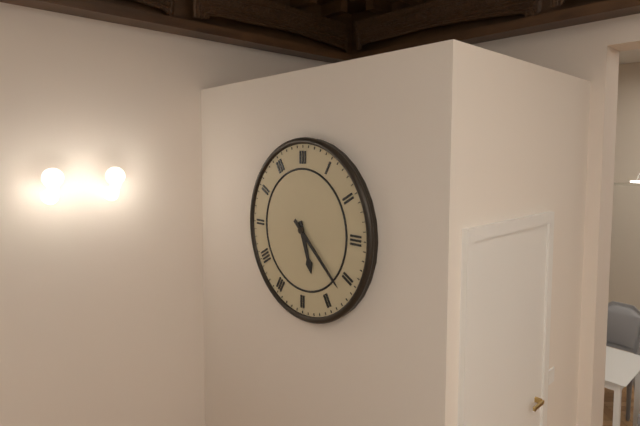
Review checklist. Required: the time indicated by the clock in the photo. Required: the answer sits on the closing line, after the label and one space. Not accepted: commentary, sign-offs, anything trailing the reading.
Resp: 5:22
